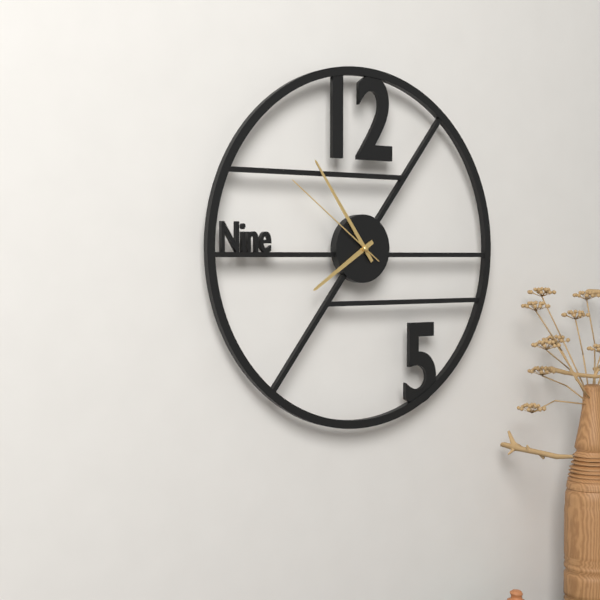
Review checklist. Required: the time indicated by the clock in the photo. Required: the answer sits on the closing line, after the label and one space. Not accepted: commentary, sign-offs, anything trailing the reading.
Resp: 7:54:51
